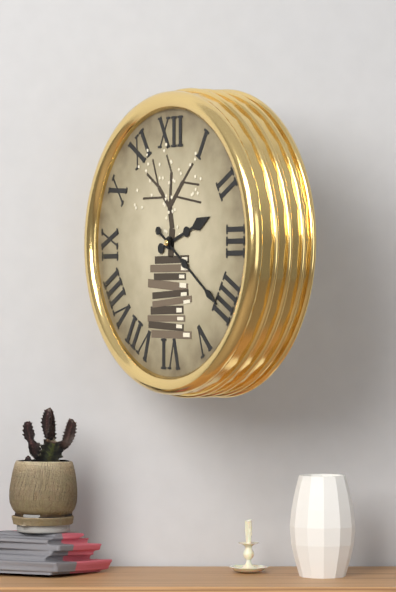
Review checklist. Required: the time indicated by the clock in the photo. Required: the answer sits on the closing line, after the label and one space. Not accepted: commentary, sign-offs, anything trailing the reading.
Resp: 2:21
